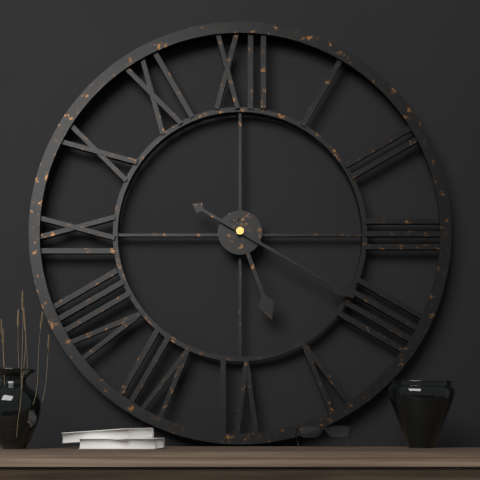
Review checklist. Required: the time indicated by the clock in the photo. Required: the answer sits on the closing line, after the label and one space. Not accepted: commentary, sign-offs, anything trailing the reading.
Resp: 5:20
